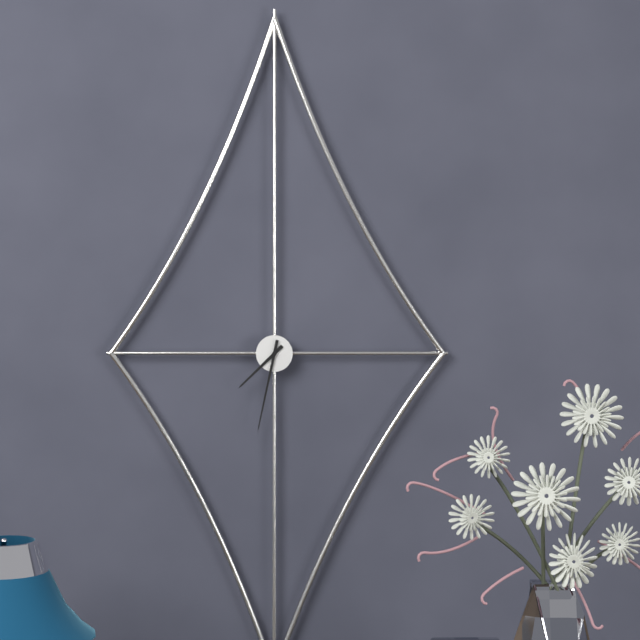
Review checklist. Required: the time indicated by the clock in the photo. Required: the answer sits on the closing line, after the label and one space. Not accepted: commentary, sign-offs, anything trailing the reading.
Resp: 7:32
